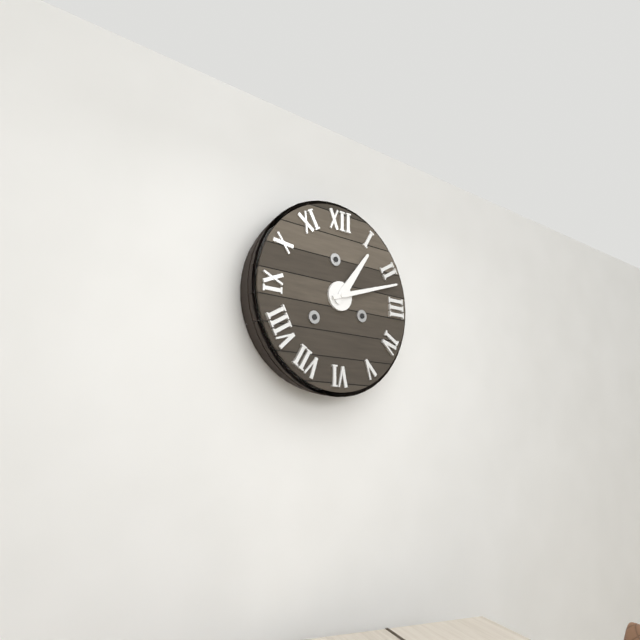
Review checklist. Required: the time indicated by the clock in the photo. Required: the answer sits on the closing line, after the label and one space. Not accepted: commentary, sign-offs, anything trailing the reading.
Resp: 1:12
